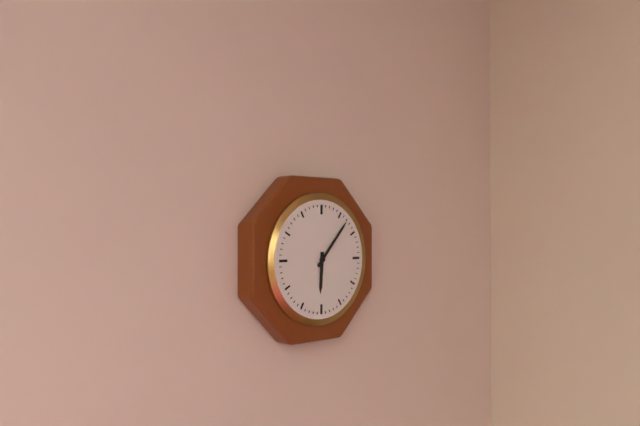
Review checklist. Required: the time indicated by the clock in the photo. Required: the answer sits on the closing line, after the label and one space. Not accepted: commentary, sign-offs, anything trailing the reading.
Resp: 6:07
